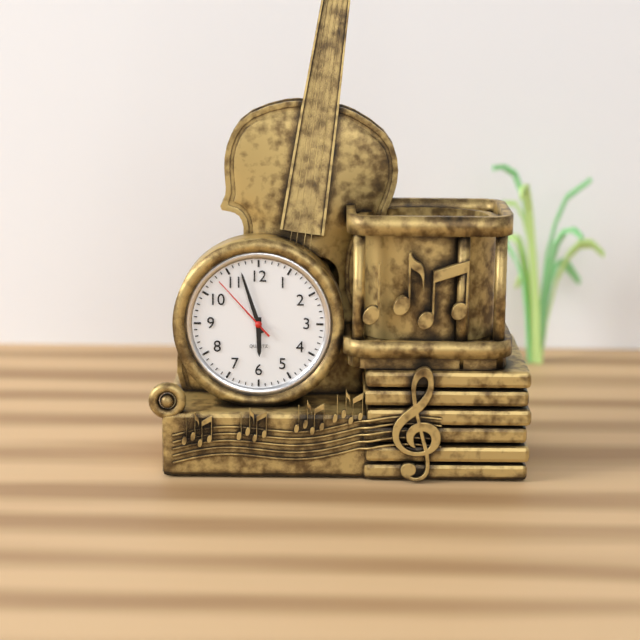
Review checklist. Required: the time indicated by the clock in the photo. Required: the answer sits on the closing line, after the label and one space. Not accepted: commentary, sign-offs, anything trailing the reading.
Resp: 5:57:53
